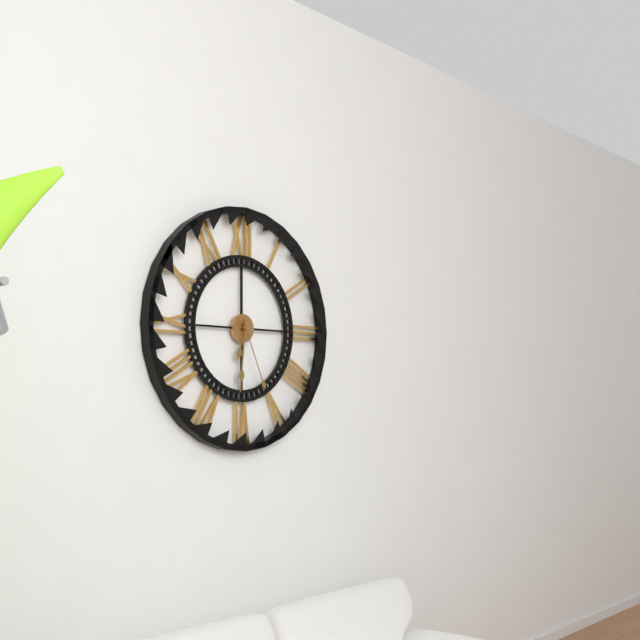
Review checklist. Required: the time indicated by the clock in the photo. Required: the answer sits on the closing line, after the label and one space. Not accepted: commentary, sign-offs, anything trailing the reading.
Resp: 6:31:26
